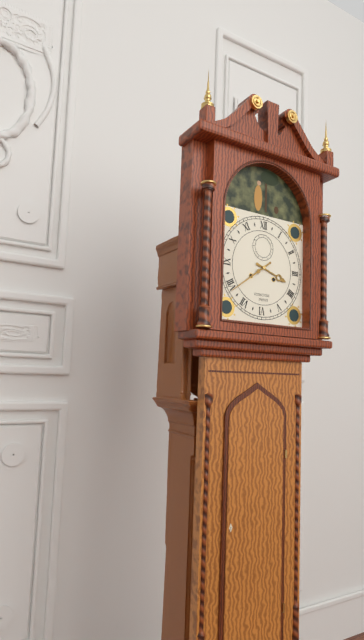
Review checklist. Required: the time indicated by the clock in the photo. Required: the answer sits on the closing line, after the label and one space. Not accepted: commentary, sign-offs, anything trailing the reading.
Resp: 3:39
